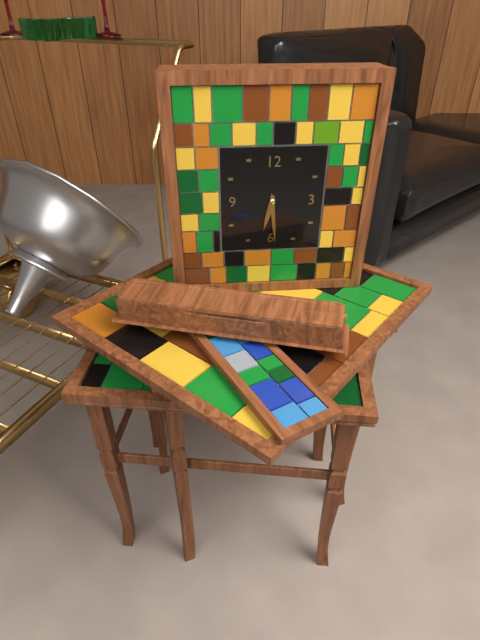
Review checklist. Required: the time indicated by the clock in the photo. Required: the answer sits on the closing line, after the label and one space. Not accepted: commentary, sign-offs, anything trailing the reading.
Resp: 6:29
